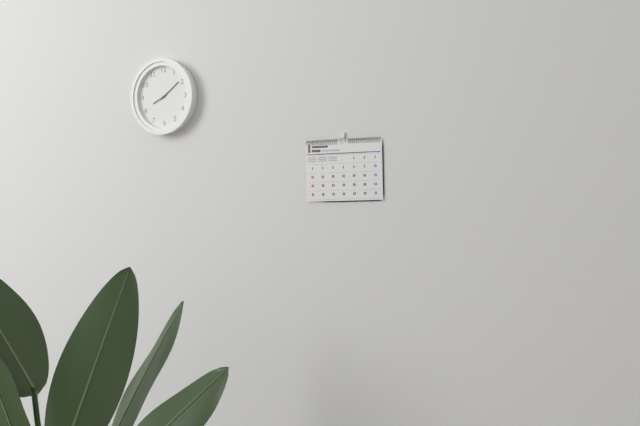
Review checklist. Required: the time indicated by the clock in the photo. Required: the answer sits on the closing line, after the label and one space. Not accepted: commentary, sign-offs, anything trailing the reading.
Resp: 8:09
